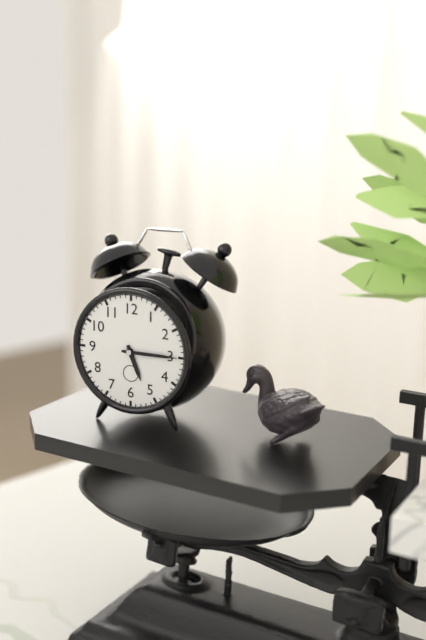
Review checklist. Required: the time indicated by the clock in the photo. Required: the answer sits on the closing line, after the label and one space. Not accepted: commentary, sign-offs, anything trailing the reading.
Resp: 5:15
